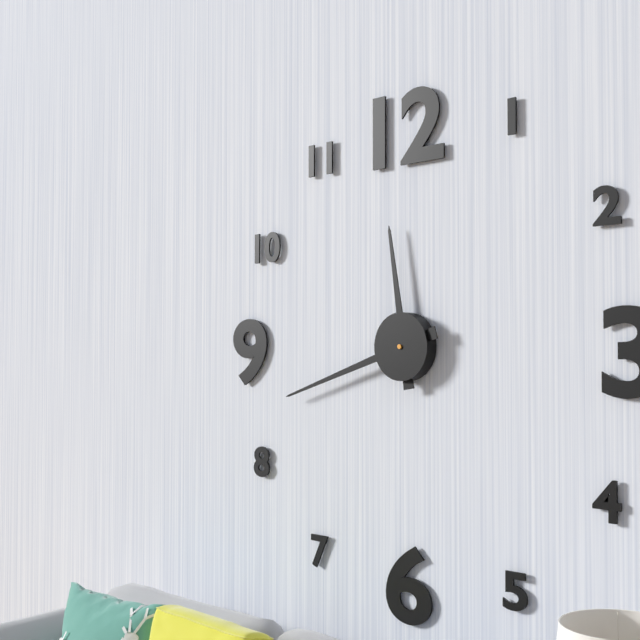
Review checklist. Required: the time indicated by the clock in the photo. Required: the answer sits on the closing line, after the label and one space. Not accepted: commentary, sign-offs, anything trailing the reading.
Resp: 11:42
